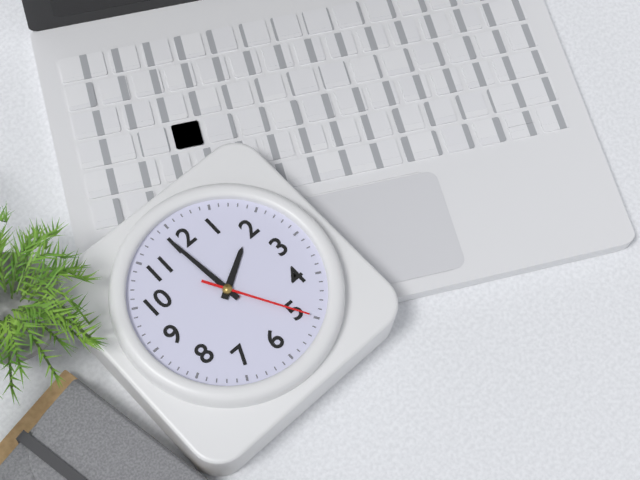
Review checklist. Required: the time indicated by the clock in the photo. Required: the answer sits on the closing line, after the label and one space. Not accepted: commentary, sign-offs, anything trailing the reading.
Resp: 1:59:25
